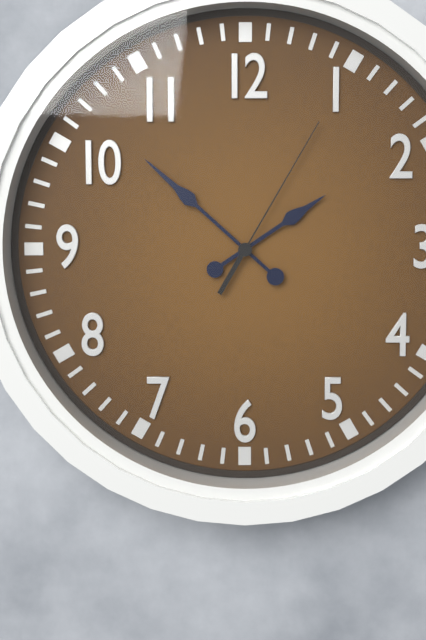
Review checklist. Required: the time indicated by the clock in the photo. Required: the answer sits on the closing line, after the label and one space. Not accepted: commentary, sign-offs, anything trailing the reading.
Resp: 1:52:05
